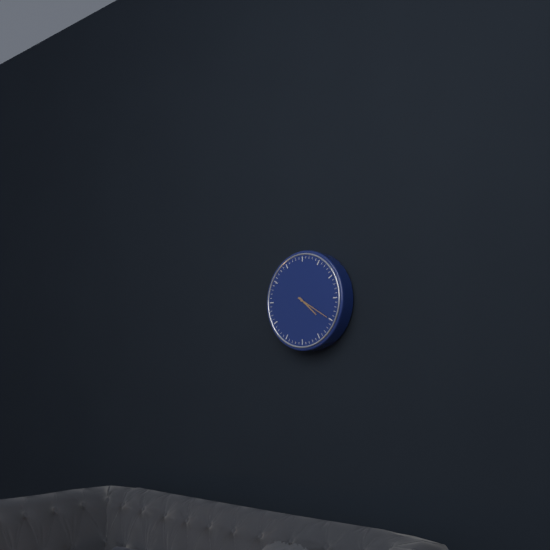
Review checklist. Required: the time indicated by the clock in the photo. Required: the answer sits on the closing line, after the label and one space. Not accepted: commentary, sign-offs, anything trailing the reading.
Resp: 4:20
